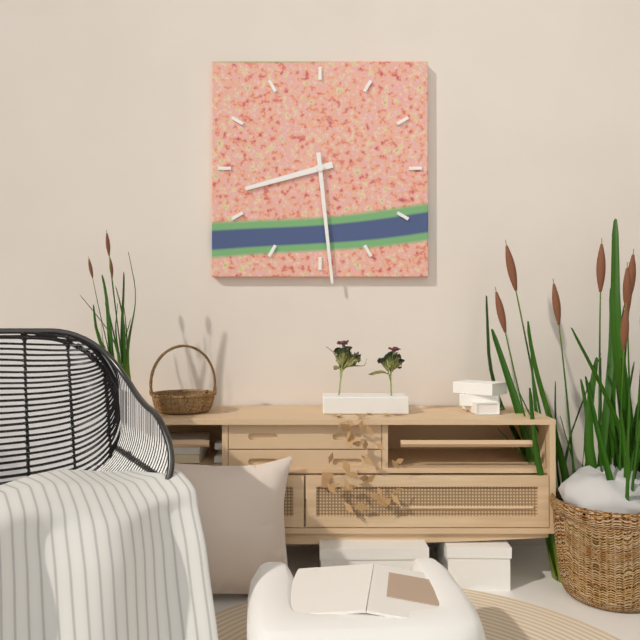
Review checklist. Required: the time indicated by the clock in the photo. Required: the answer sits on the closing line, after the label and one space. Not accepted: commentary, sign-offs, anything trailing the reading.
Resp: 8:29
